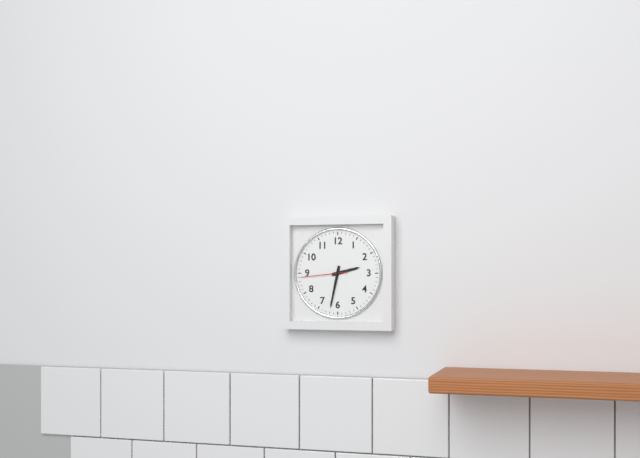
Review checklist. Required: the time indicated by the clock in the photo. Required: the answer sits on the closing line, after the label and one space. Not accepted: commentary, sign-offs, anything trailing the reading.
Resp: 2:32
